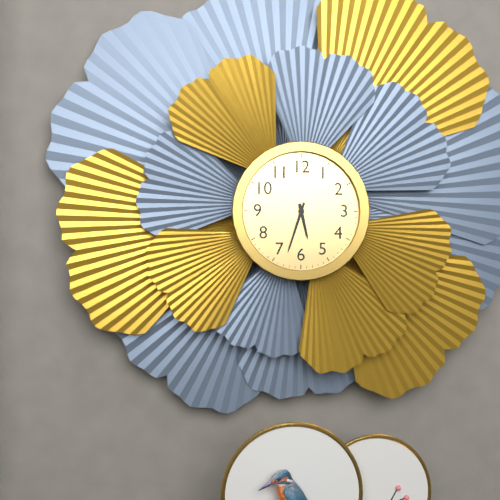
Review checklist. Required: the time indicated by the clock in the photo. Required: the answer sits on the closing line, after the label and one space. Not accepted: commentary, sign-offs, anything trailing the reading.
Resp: 5:33
